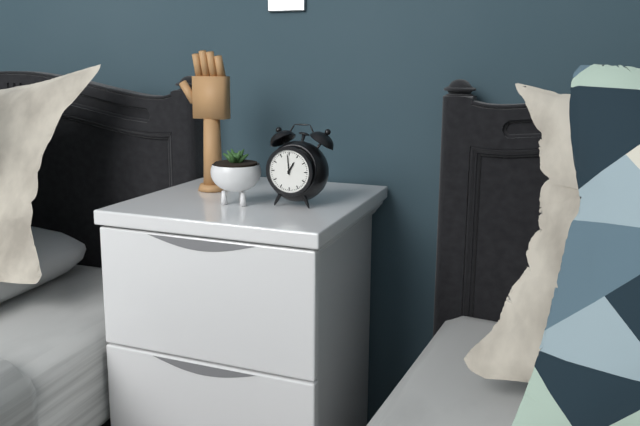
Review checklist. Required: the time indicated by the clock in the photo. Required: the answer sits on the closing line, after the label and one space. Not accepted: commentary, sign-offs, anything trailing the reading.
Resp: 12:59
